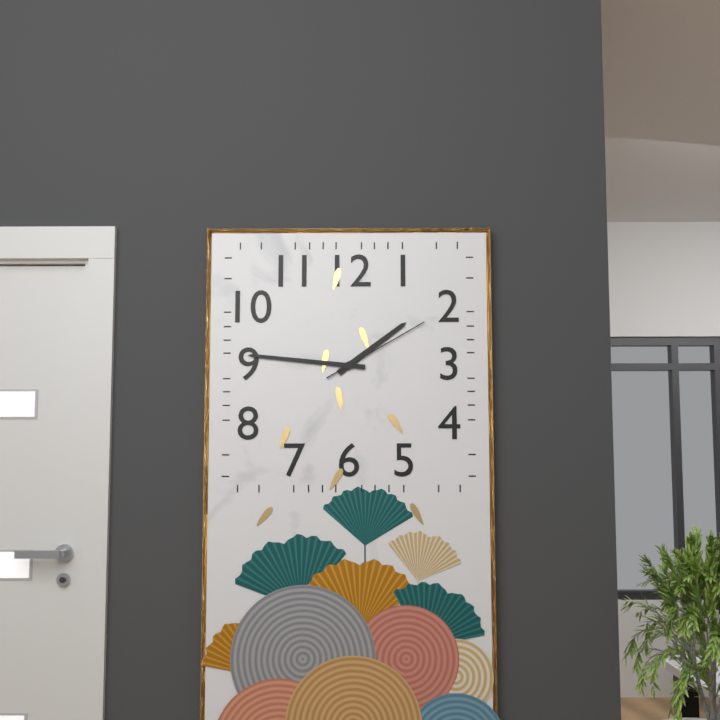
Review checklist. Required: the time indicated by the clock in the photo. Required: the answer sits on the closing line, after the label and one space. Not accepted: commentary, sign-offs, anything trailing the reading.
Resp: 1:46:10
